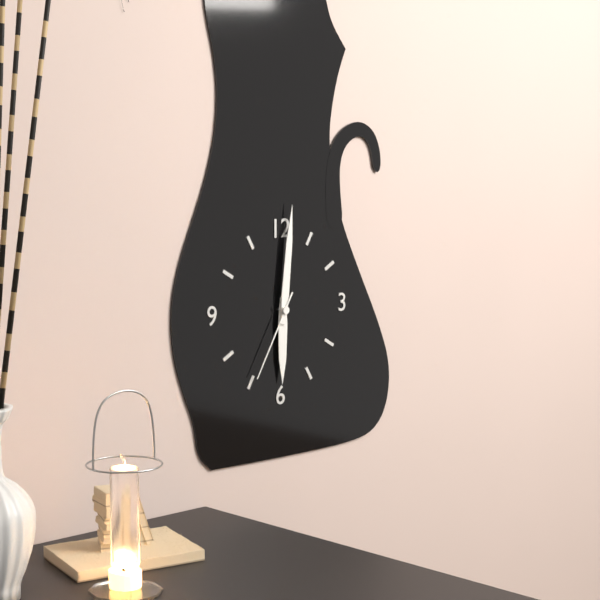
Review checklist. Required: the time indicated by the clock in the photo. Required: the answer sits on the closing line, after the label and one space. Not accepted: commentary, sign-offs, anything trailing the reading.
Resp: 6:01:35
